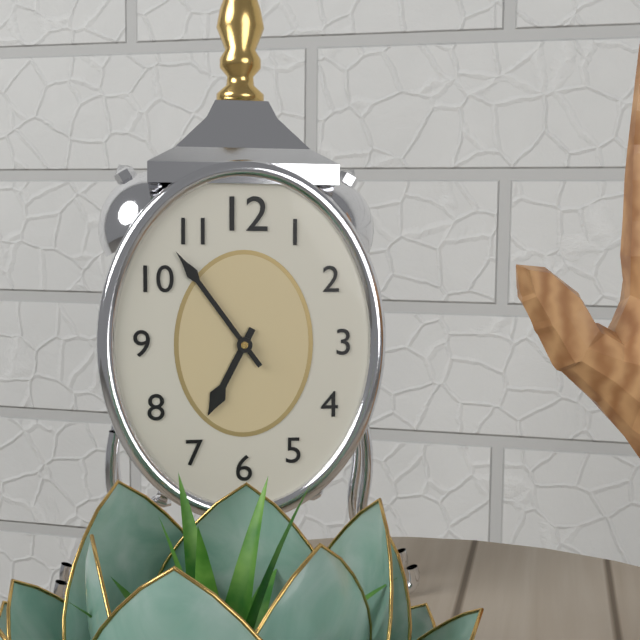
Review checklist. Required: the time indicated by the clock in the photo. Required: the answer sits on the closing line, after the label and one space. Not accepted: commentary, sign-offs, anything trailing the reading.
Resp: 6:54
